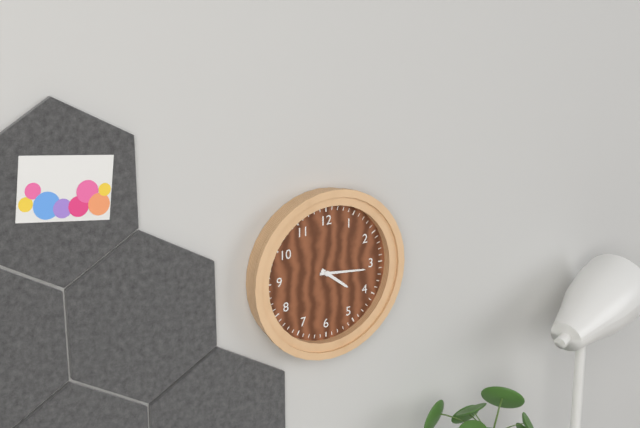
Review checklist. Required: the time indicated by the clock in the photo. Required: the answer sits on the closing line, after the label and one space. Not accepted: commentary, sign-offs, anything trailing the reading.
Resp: 4:16
